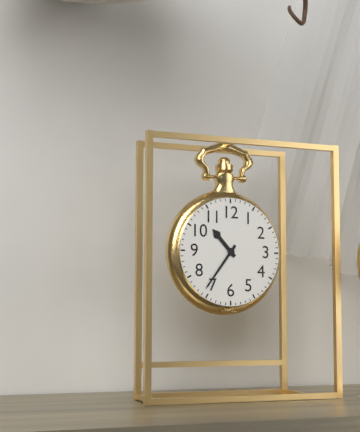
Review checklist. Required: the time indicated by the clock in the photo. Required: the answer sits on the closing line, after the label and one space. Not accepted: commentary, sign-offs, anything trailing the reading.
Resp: 10:36
